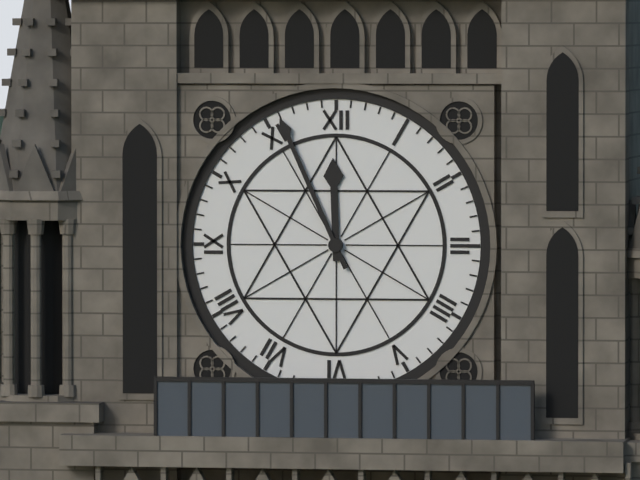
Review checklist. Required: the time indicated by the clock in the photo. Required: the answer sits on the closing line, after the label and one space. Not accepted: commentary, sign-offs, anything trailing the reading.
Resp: 11:56
